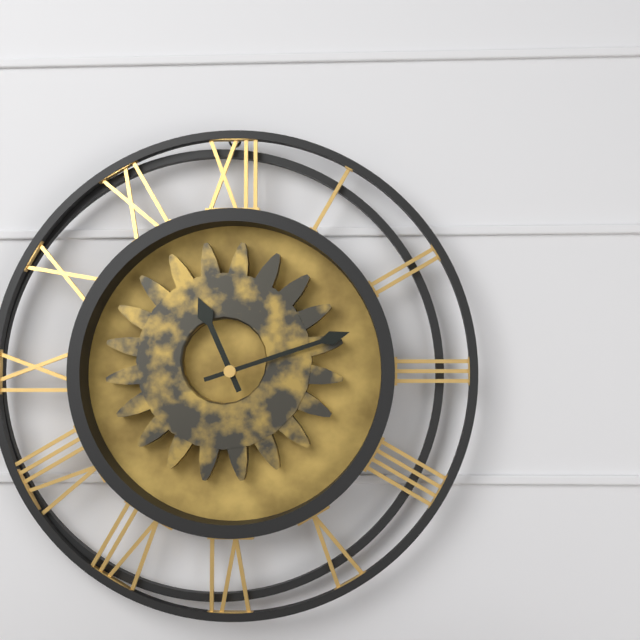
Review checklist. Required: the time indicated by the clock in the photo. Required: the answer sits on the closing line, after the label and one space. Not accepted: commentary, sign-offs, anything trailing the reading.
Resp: 11:12
